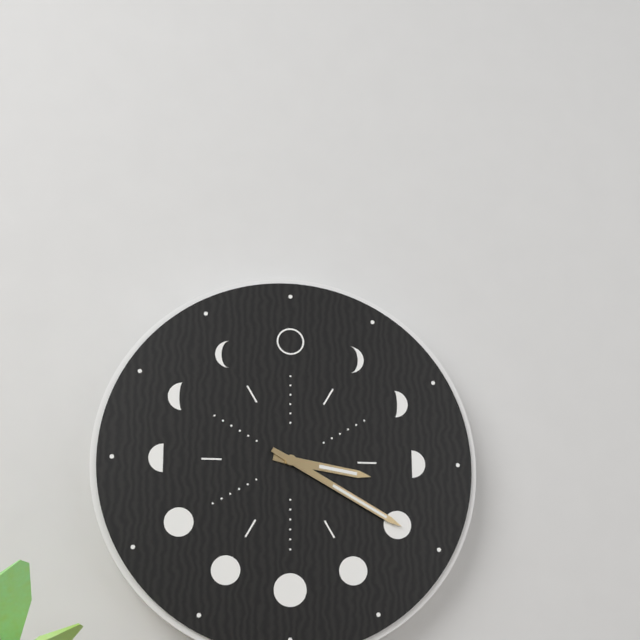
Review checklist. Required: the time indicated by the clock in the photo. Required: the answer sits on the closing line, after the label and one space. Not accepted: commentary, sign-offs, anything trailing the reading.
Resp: 3:20
